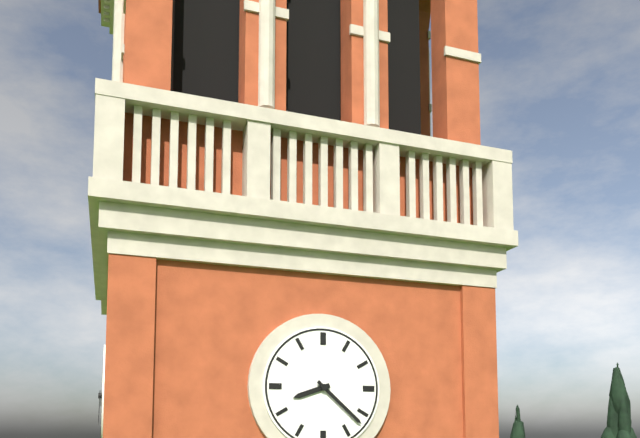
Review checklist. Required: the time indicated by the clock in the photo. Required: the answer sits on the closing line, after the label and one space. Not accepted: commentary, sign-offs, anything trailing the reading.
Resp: 8:22
